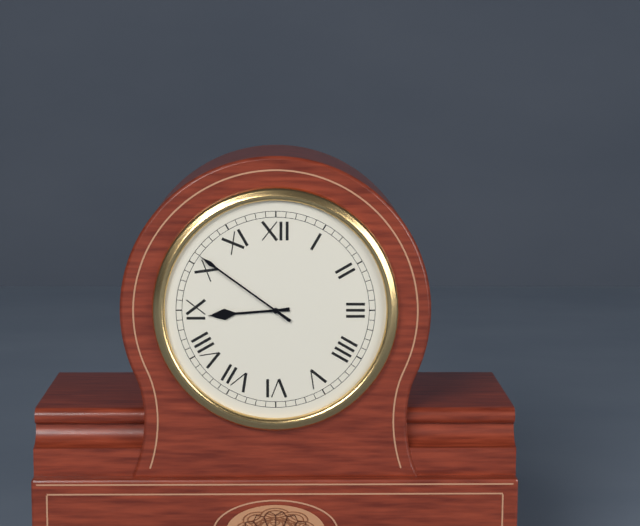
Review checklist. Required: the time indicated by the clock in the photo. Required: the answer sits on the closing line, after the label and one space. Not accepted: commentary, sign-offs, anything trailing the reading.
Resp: 8:51
